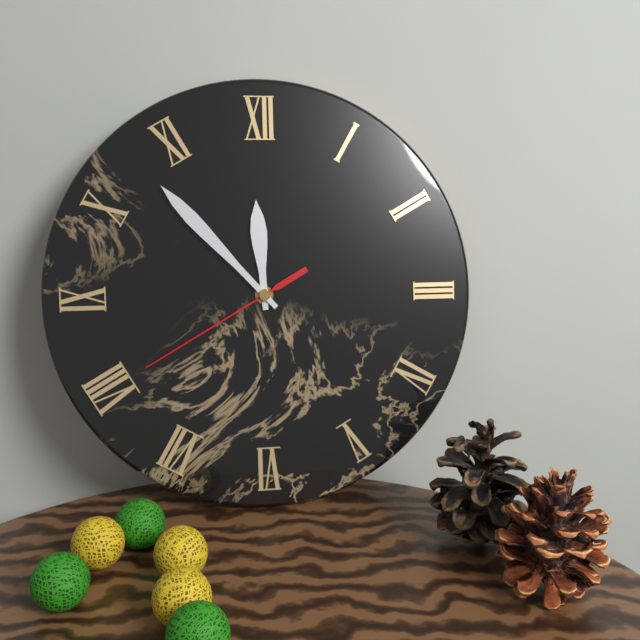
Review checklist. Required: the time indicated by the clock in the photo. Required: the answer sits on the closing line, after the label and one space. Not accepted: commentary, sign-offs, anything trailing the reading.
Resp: 11:53:40
